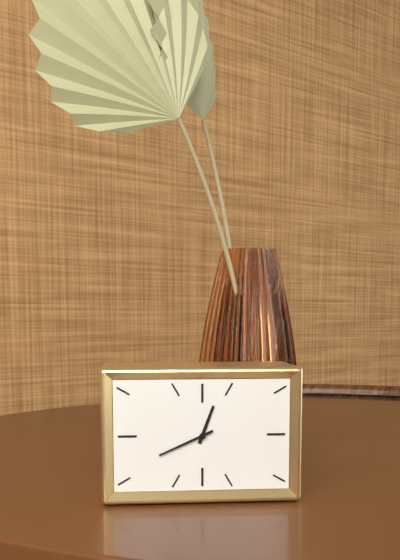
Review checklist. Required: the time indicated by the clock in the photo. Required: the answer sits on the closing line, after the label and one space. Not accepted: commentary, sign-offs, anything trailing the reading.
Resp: 12:41
